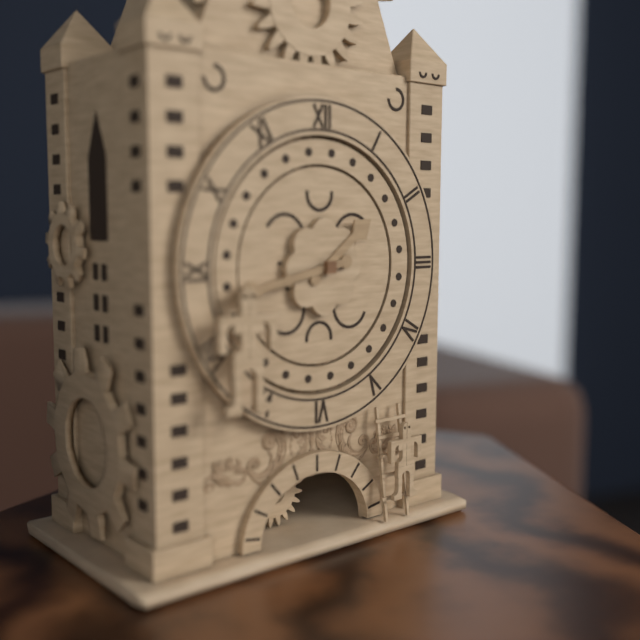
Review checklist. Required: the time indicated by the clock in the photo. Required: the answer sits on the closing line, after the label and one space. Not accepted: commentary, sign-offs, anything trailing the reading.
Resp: 1:43
